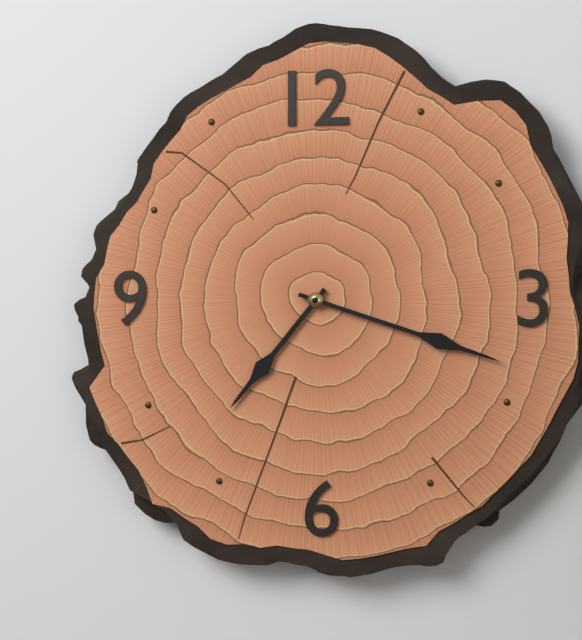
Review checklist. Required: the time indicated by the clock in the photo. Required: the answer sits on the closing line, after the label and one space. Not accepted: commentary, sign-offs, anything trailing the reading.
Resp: 7:18
